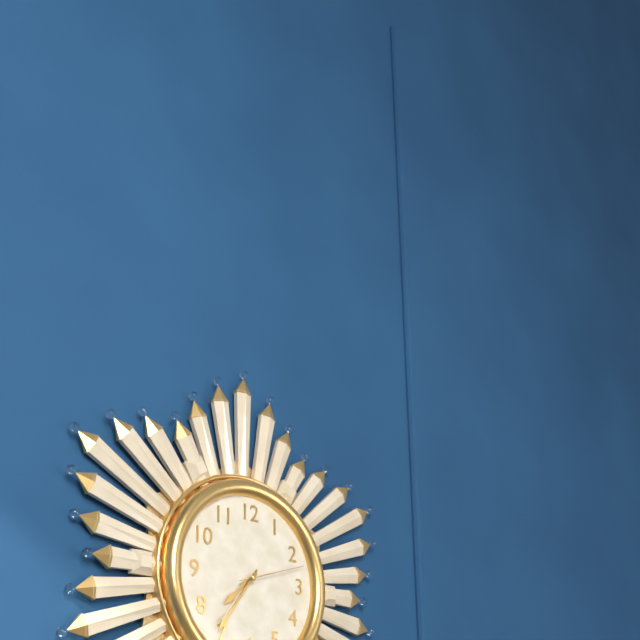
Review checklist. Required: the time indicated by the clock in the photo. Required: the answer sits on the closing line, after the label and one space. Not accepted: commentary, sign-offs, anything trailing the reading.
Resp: 7:36:12
